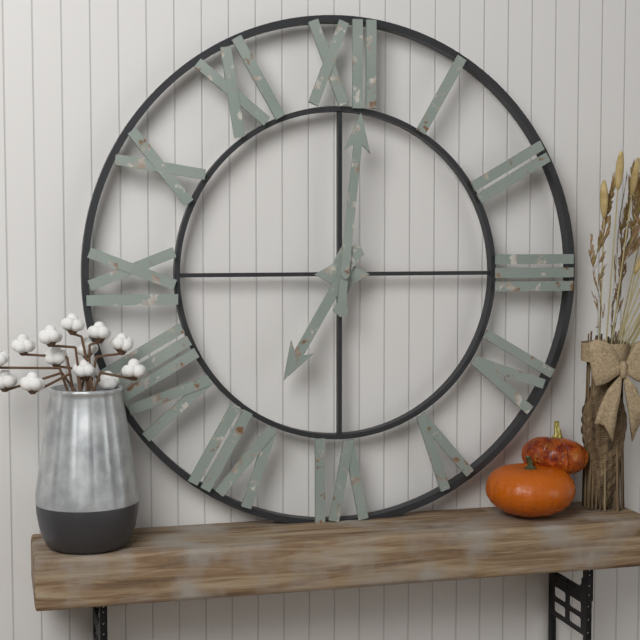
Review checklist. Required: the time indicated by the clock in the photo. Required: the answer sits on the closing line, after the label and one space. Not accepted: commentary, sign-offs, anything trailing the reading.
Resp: 7:01
